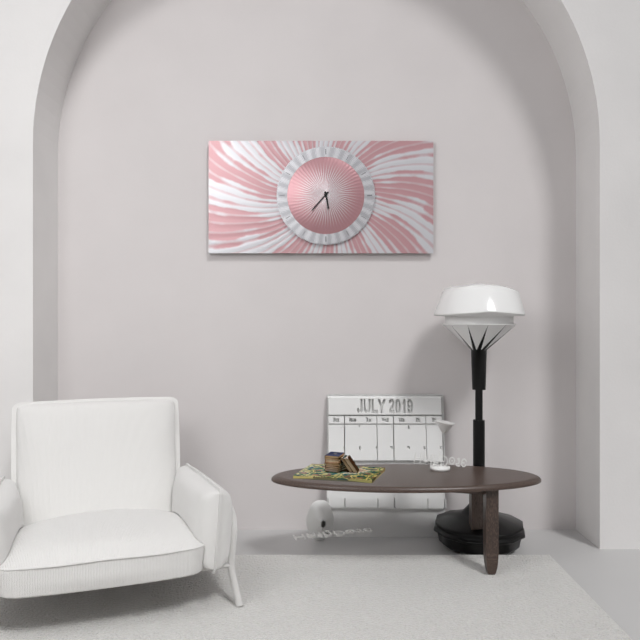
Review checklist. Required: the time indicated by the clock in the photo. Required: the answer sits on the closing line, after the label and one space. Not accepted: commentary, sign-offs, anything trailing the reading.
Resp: 5:37
